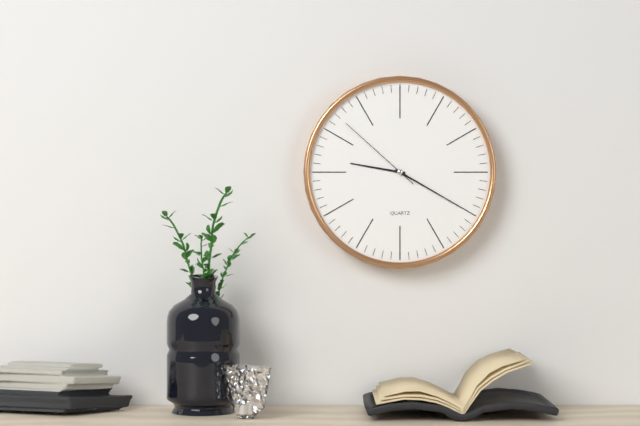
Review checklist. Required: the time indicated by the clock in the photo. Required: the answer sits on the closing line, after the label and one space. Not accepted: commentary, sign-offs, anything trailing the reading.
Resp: 9:20:52
